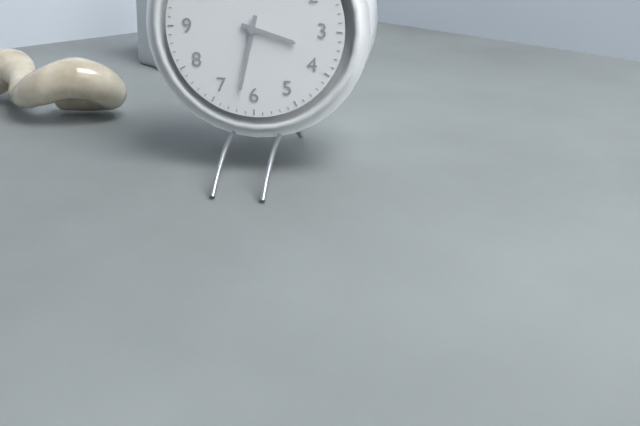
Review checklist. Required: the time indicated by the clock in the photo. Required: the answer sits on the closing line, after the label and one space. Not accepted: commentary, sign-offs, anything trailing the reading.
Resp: 3:32
